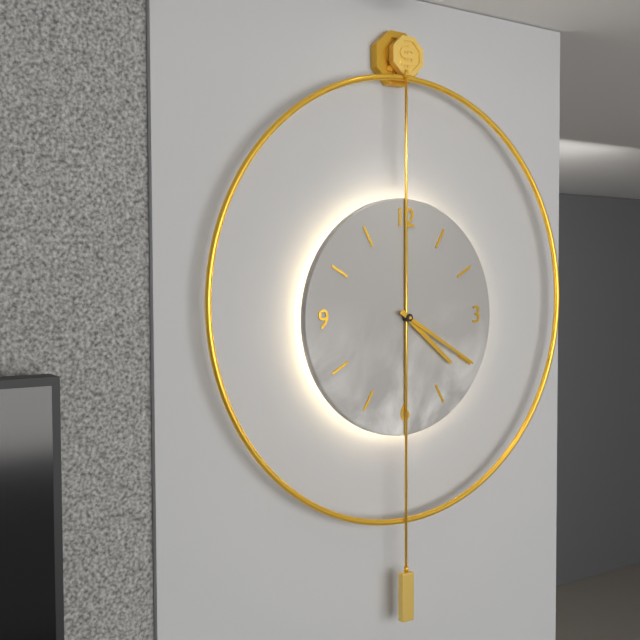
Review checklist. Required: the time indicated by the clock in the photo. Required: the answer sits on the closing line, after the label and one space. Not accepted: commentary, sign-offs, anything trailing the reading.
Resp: 4:20
